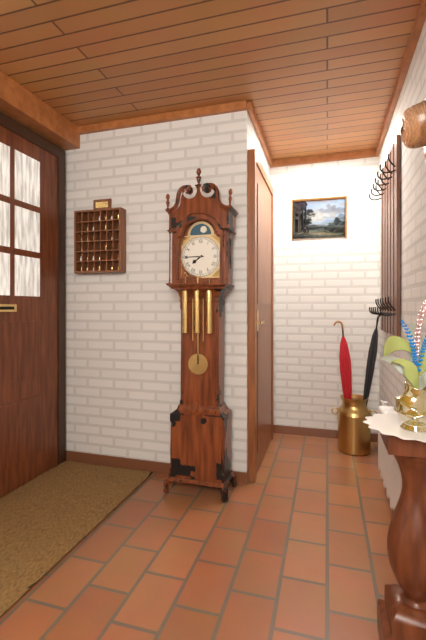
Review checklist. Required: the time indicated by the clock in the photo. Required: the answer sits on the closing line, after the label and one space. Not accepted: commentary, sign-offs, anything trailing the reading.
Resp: 7:45
